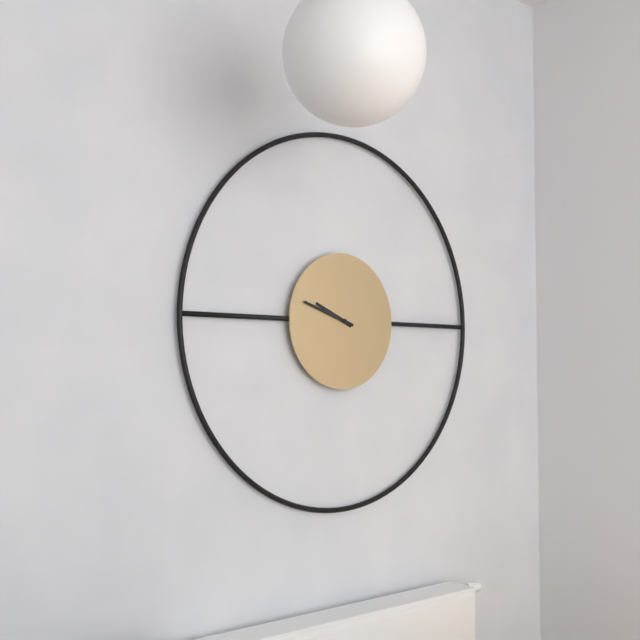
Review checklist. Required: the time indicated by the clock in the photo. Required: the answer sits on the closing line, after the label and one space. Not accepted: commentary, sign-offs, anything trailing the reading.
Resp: 9:48
